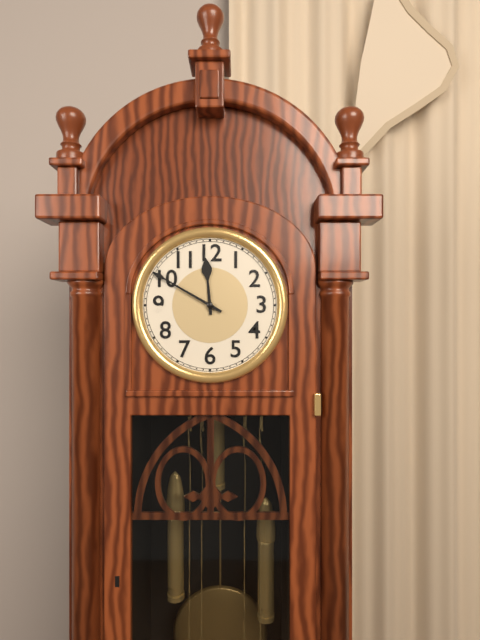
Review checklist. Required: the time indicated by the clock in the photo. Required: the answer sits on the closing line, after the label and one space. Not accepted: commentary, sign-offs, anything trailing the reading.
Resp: 11:50
